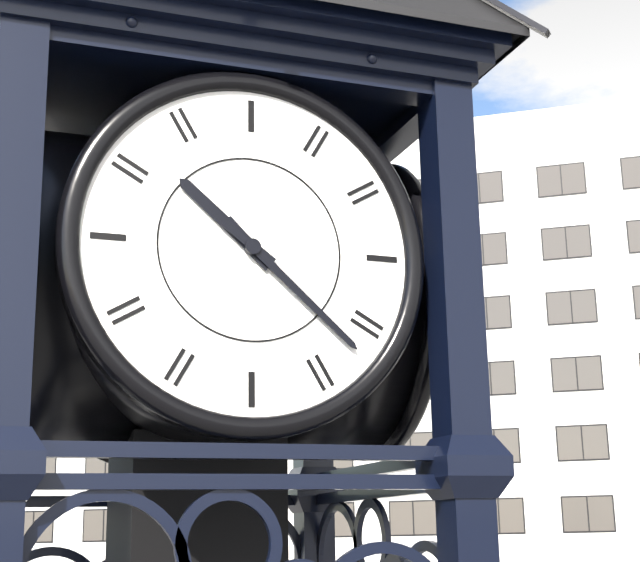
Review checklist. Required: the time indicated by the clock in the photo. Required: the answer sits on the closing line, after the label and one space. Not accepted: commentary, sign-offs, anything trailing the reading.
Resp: 10:22
